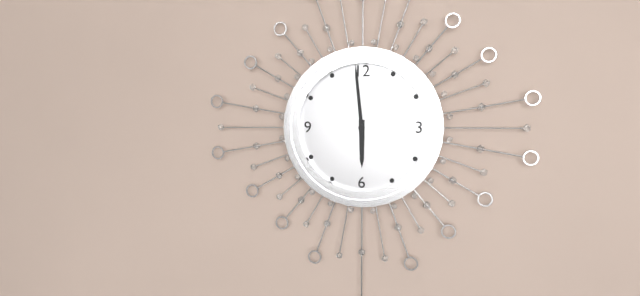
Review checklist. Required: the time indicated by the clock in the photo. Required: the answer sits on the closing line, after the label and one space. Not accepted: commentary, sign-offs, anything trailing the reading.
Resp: 5:59
